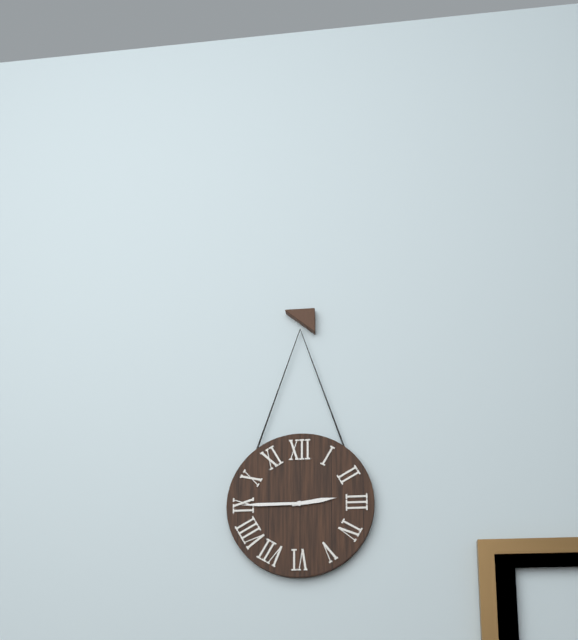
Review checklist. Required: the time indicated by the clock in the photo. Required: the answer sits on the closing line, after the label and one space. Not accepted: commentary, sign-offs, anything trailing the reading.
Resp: 2:45
